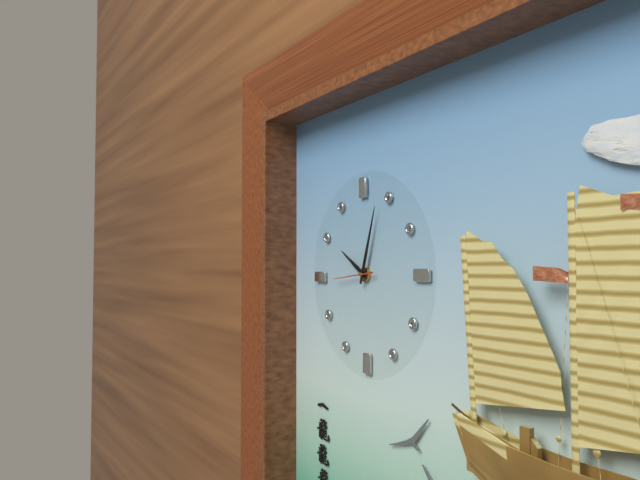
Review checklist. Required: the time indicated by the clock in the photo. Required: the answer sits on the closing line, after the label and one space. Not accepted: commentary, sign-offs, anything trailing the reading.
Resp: 10:03
